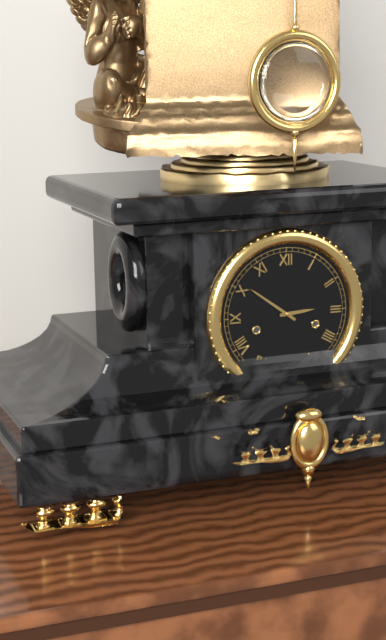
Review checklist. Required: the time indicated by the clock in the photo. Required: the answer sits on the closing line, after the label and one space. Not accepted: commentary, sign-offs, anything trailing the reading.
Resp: 2:51
